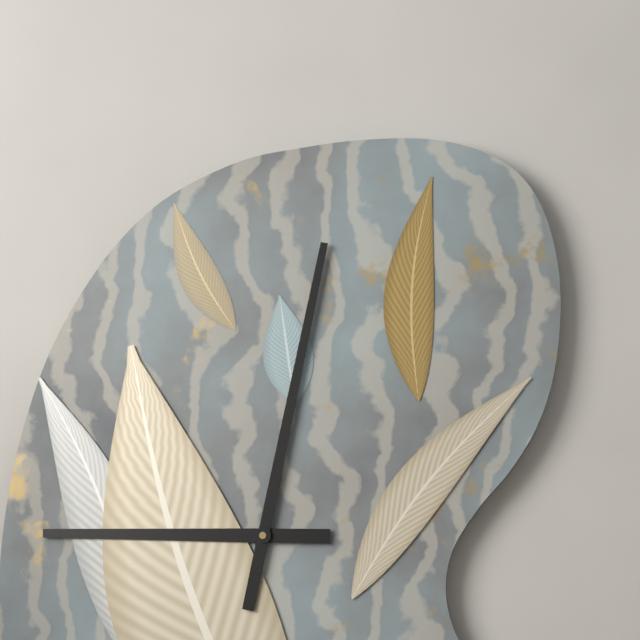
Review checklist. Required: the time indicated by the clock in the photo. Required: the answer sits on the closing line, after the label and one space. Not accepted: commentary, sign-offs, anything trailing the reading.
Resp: 9:02
